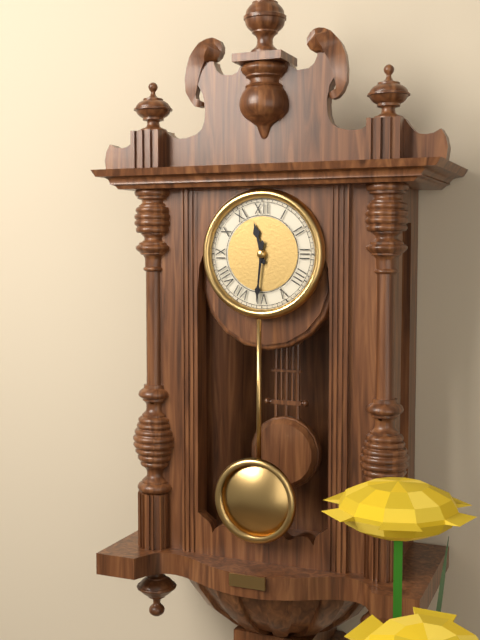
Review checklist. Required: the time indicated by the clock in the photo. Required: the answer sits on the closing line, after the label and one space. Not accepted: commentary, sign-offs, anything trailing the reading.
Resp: 11:31
